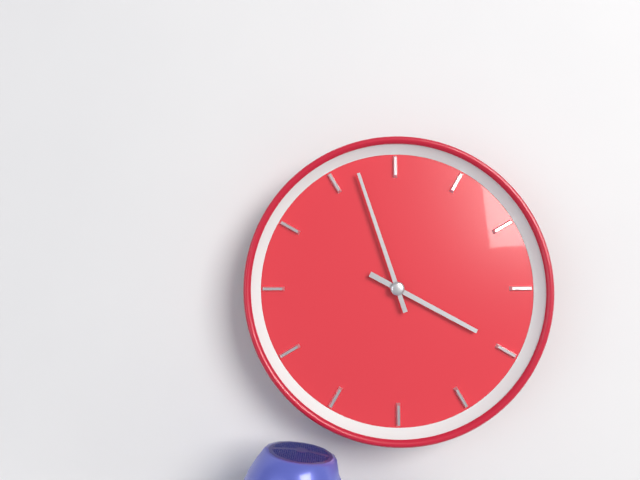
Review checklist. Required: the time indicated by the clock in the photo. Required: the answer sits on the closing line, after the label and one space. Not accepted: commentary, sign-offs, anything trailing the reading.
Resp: 3:57
